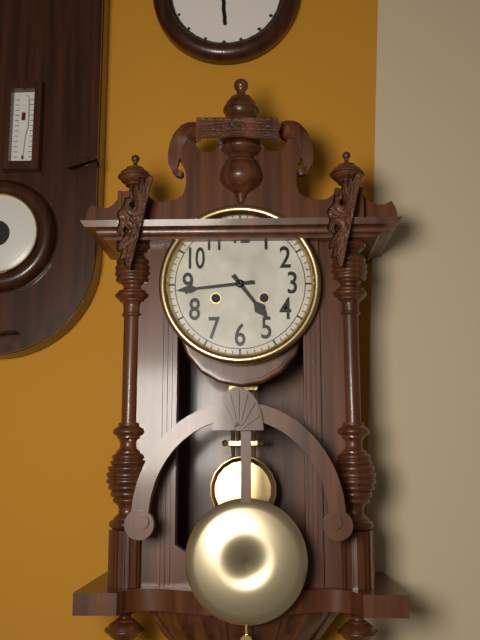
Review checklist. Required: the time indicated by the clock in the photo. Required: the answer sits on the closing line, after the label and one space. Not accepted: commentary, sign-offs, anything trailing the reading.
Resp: 4:44
